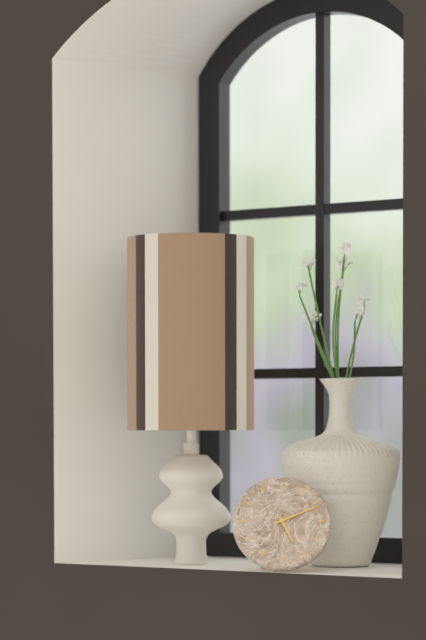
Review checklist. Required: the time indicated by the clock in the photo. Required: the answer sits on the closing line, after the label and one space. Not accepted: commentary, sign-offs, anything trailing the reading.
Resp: 5:11
